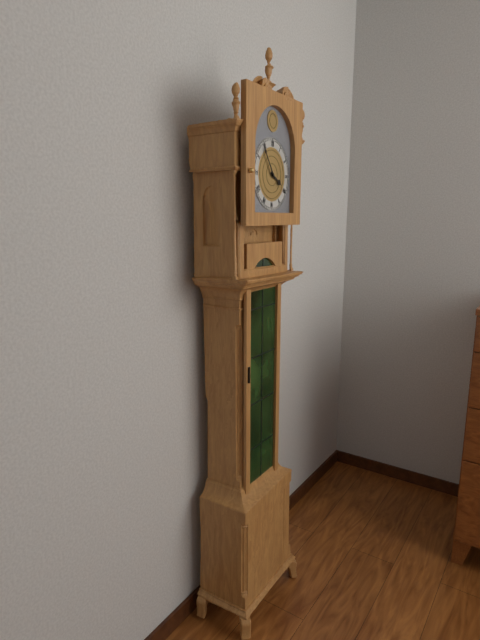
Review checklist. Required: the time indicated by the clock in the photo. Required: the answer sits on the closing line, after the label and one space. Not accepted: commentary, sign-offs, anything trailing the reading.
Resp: 3:54
